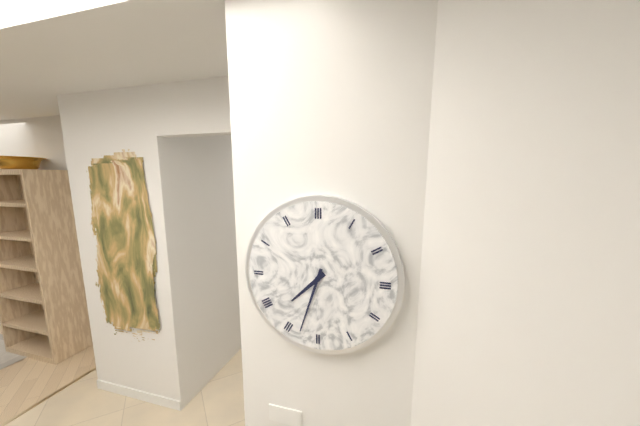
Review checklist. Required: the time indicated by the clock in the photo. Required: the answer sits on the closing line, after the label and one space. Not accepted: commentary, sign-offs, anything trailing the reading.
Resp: 7:33
